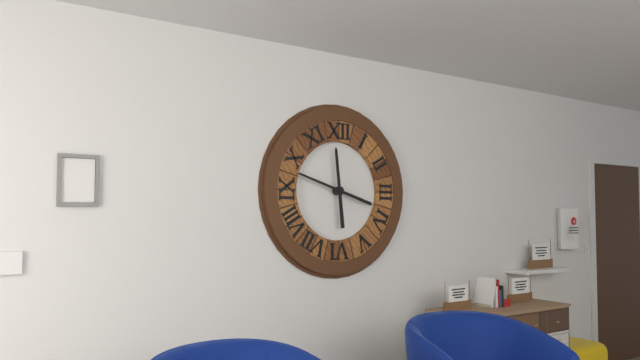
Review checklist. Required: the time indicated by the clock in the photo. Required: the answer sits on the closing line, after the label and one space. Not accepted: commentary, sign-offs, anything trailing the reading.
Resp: 11:48
